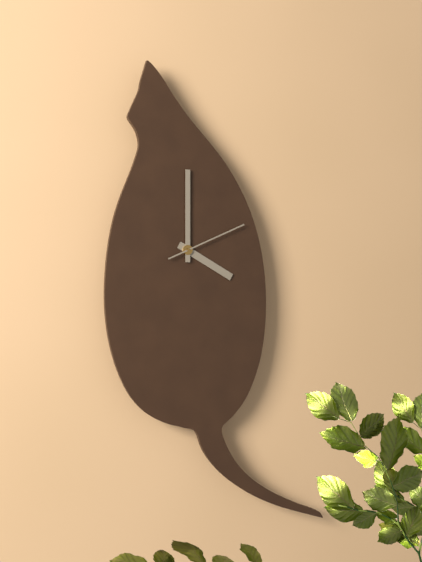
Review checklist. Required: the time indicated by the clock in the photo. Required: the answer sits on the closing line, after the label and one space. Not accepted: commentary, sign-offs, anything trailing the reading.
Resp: 4:00:11
